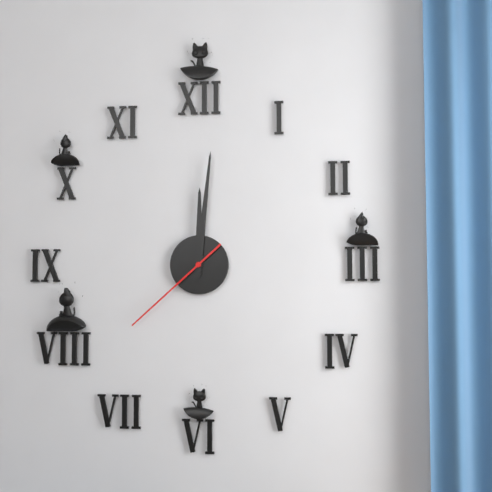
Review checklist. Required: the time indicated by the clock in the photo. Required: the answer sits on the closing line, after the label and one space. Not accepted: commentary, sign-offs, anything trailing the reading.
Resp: 12:01:38
